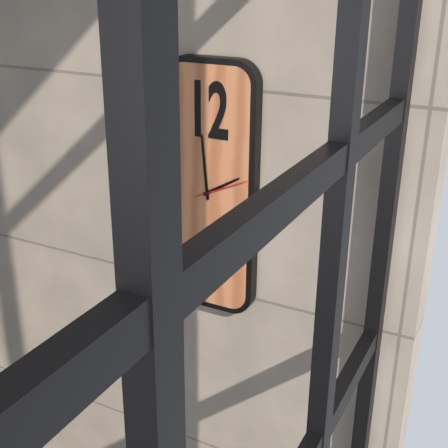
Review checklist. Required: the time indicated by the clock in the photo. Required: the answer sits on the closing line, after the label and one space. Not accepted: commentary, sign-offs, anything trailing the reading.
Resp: 1:59:11
